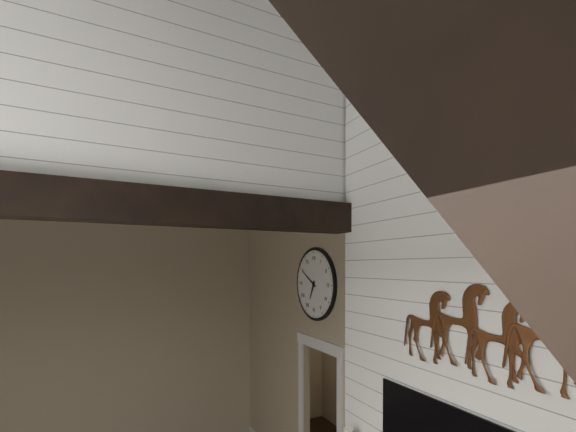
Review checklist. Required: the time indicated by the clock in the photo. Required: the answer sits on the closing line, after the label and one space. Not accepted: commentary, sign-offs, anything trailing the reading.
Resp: 6:50
